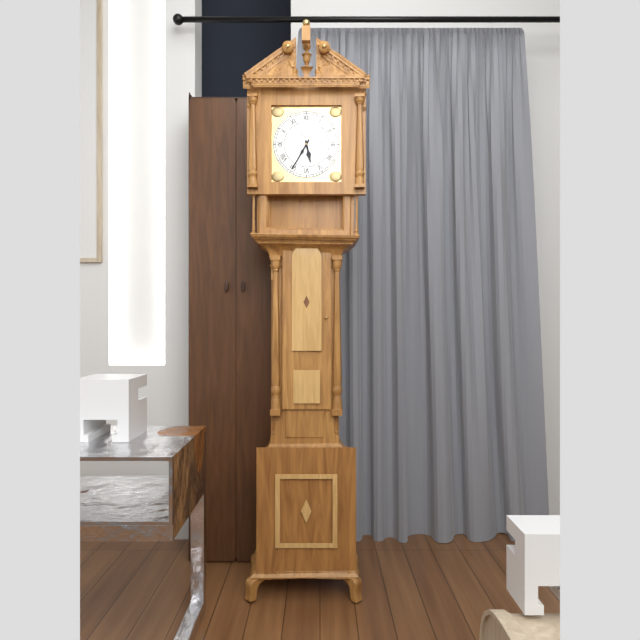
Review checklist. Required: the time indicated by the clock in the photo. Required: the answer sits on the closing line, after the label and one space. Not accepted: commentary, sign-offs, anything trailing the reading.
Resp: 5:35
